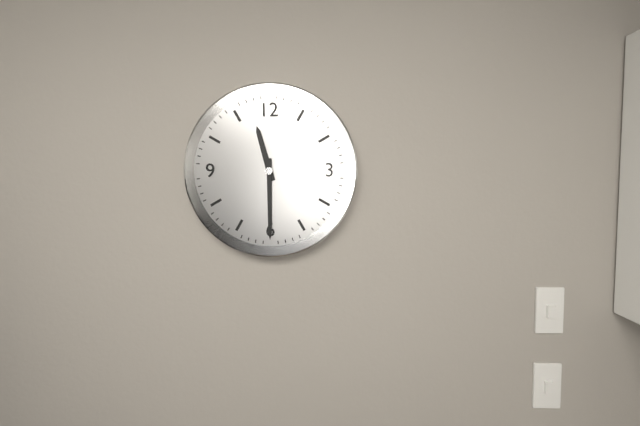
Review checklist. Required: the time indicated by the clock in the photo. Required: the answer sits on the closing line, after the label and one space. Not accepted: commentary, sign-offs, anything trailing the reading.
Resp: 11:30
